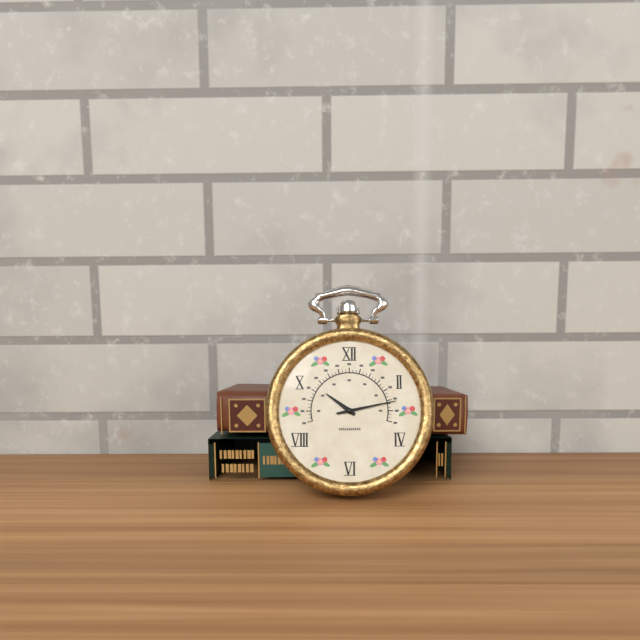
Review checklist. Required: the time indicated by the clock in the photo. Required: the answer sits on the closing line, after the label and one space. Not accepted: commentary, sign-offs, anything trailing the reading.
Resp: 10:13
